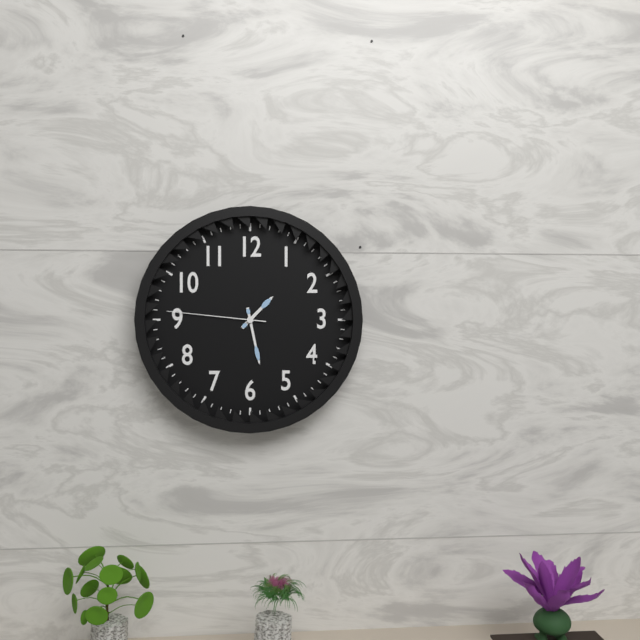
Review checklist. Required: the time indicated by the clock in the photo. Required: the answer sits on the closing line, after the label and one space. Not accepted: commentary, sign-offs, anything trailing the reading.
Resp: 1:28:46
